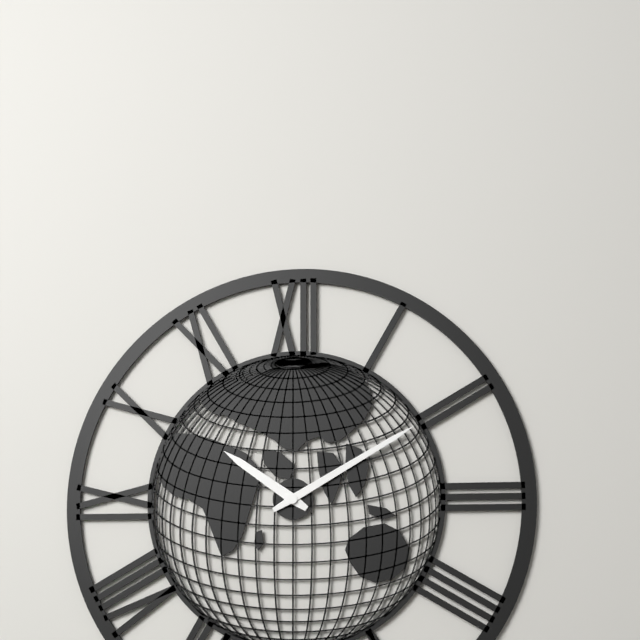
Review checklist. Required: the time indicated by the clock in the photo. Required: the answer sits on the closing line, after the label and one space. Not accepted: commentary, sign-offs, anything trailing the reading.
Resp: 10:10
